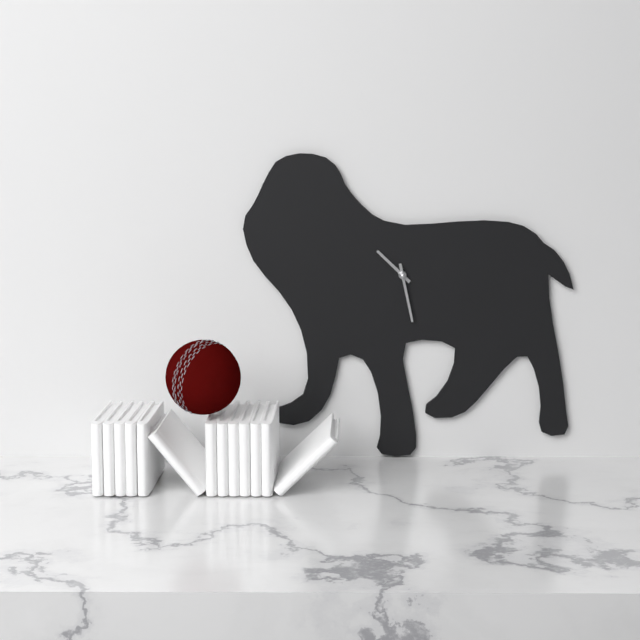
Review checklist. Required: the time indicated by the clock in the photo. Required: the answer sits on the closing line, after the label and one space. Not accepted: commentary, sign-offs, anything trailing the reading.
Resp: 10:28
